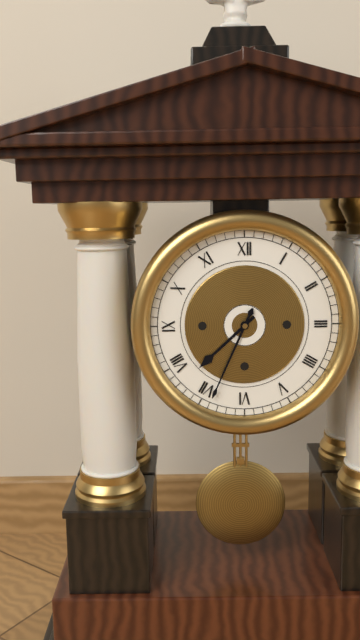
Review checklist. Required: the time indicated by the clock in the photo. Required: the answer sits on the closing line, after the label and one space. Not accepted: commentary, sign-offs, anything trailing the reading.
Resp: 7:34
